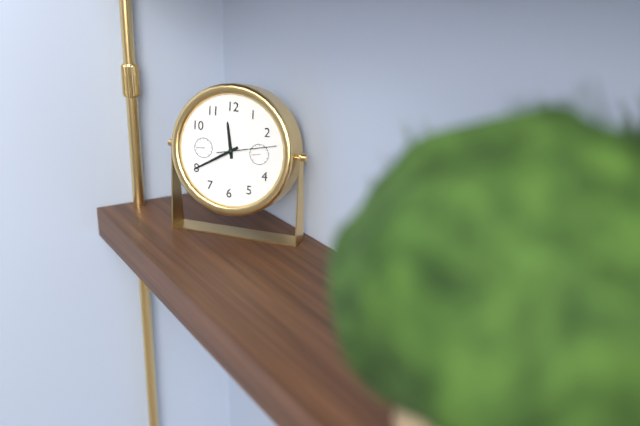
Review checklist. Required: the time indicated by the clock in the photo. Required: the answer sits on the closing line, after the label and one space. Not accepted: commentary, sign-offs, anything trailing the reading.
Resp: 11:40:13
